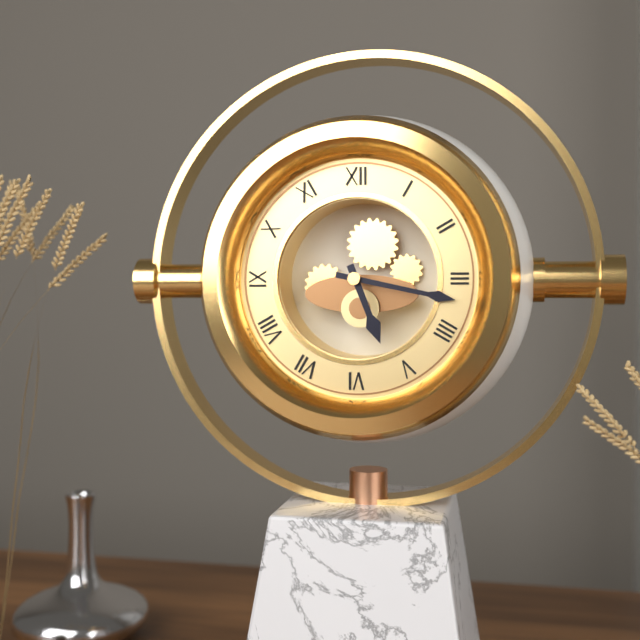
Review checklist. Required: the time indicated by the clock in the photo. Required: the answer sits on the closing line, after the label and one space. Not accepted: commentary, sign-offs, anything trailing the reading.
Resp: 5:17
